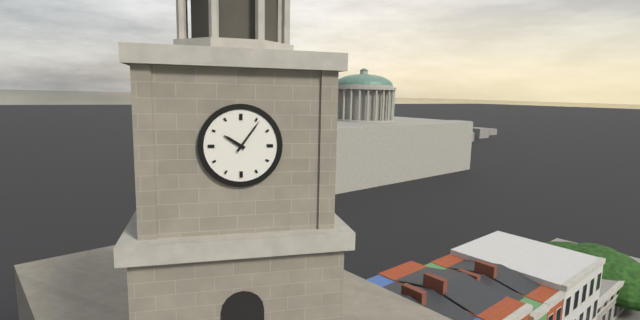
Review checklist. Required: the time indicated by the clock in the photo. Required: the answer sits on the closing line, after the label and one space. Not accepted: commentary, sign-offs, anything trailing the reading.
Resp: 10:06
